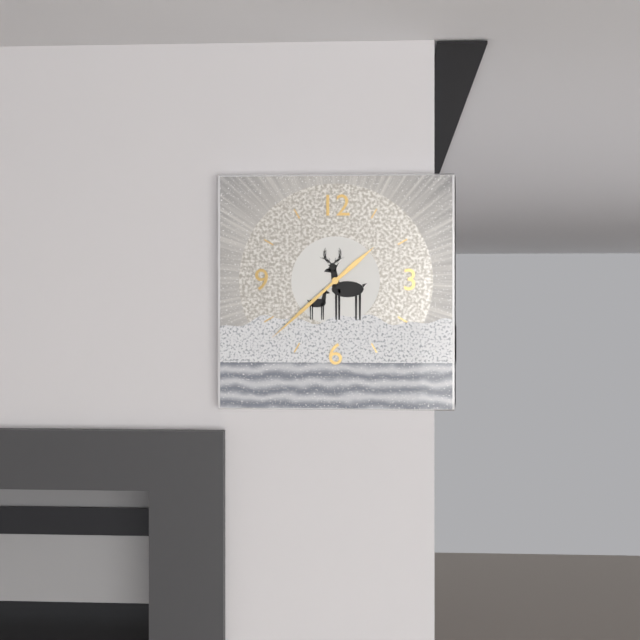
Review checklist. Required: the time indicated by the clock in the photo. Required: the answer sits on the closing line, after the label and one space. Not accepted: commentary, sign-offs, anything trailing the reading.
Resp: 1:38
